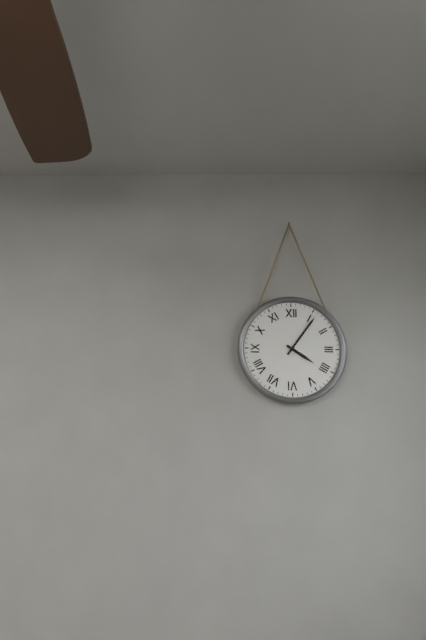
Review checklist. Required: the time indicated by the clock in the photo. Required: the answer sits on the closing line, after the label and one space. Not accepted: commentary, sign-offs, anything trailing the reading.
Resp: 4:06
